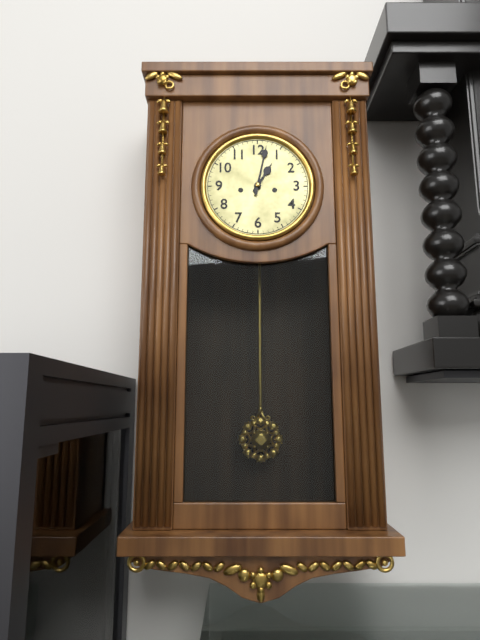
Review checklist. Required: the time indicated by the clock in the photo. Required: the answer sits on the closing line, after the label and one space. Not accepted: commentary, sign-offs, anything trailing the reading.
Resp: 1:02
